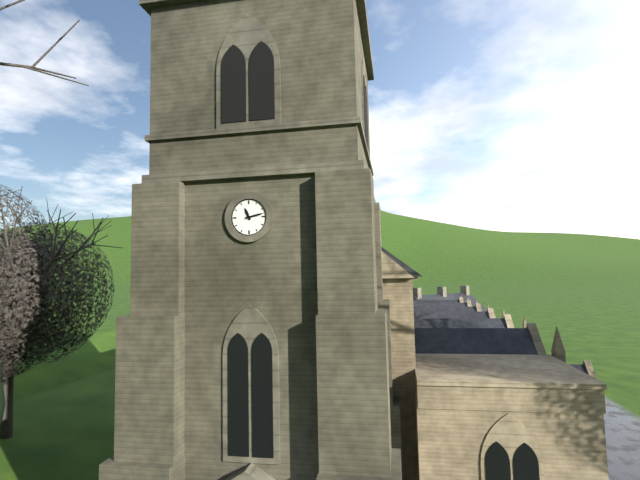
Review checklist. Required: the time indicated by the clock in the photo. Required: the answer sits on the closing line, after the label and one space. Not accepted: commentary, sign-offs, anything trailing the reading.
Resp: 11:13
